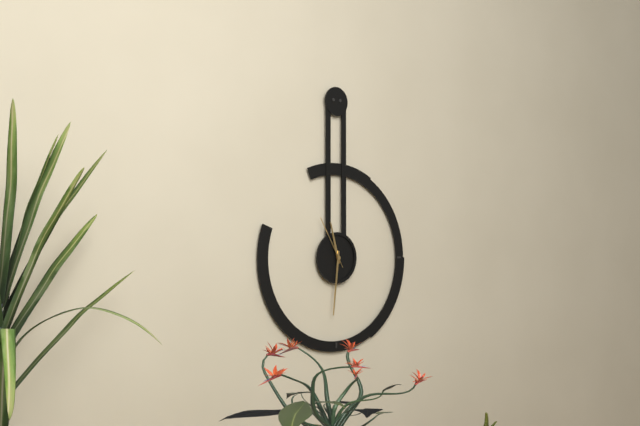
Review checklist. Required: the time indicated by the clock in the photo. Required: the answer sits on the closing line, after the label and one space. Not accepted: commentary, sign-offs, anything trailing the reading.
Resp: 11:31:55
